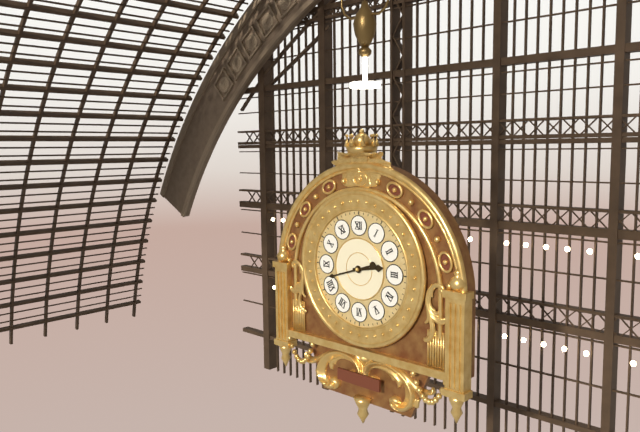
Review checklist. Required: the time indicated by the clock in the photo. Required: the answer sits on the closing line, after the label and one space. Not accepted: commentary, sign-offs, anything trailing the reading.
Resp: 2:42
